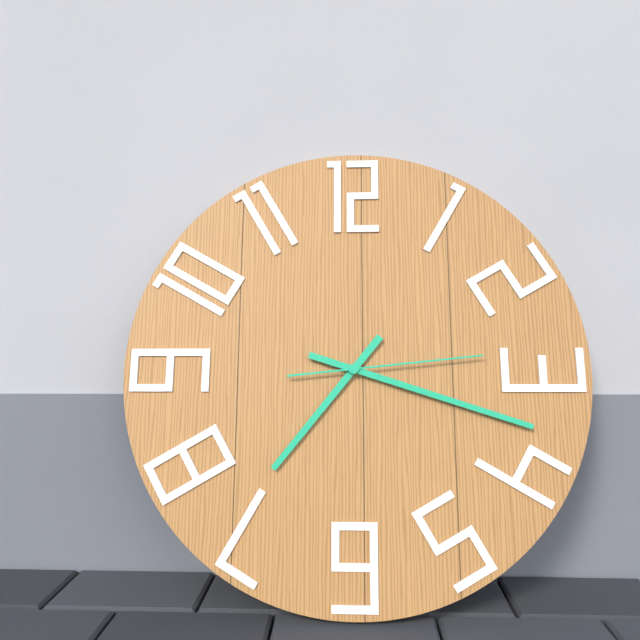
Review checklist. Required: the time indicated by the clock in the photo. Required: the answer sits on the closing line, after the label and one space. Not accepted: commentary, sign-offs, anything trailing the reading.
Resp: 7:18:14
